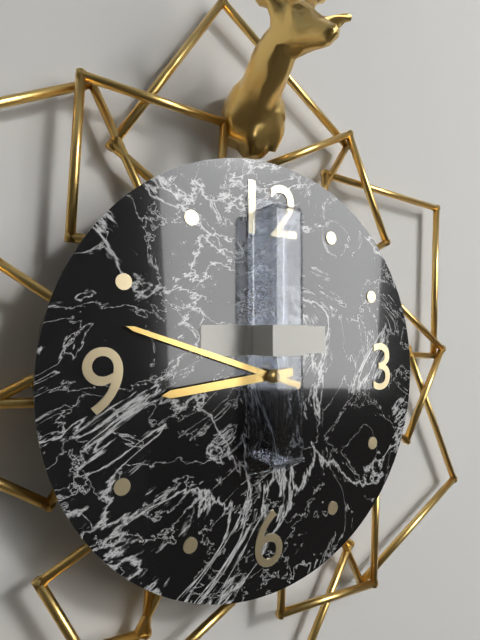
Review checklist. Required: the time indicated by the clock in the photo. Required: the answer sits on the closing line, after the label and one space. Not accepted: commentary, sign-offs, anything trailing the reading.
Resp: 8:48
